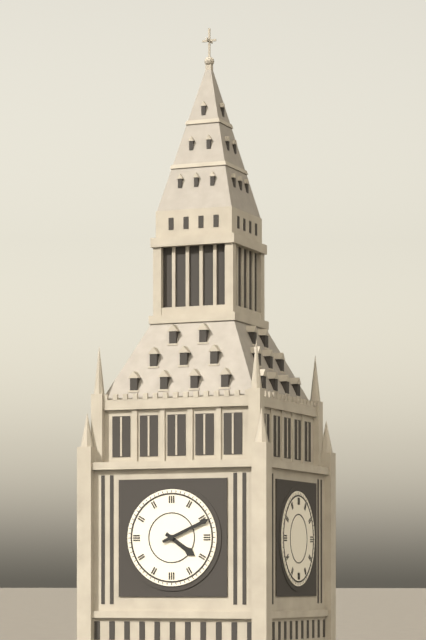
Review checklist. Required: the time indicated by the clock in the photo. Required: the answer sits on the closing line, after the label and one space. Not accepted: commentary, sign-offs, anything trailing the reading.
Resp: 4:11
